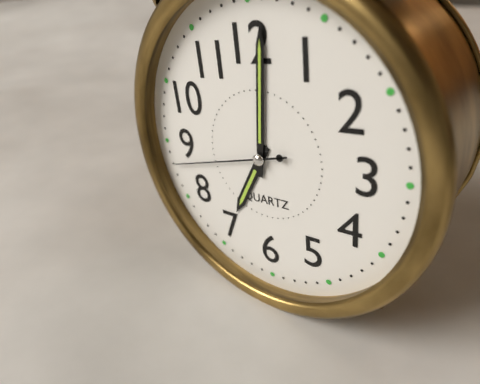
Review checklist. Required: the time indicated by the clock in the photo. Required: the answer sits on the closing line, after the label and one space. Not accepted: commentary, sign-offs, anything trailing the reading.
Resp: 7:01:43
